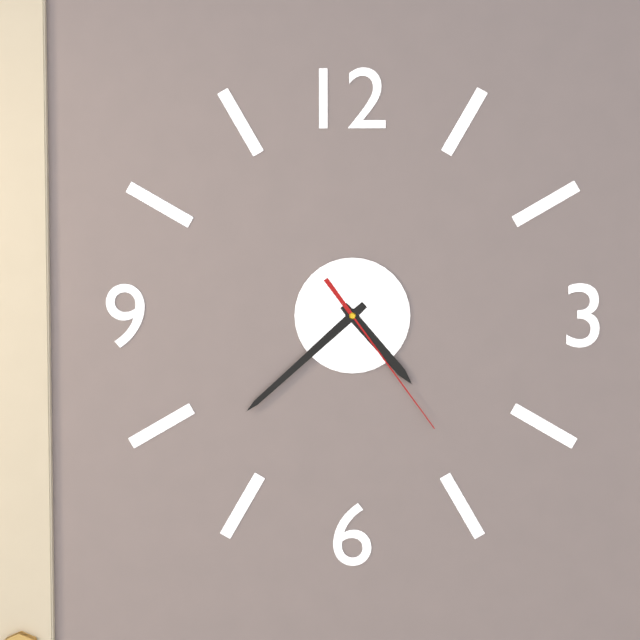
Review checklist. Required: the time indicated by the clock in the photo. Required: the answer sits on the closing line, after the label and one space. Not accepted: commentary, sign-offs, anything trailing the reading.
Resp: 4:38:24
